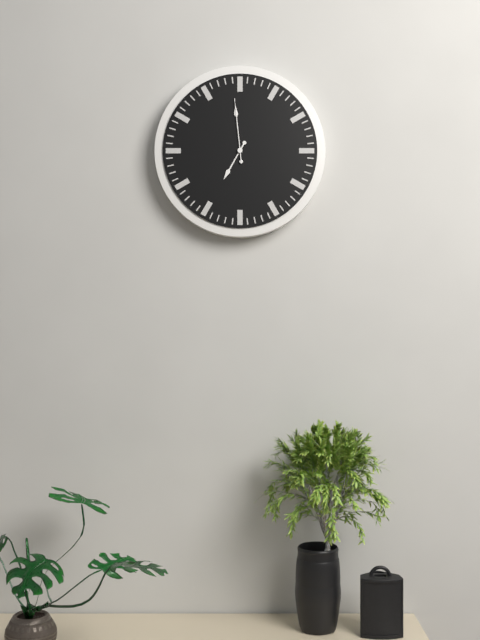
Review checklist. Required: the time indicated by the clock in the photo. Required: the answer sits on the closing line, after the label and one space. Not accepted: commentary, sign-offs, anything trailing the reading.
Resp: 6:59:59
